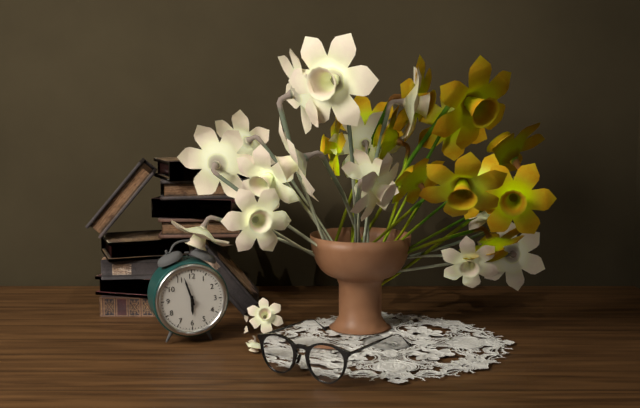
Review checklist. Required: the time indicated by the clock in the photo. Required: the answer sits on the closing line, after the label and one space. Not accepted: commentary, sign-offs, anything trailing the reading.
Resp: 5:57
